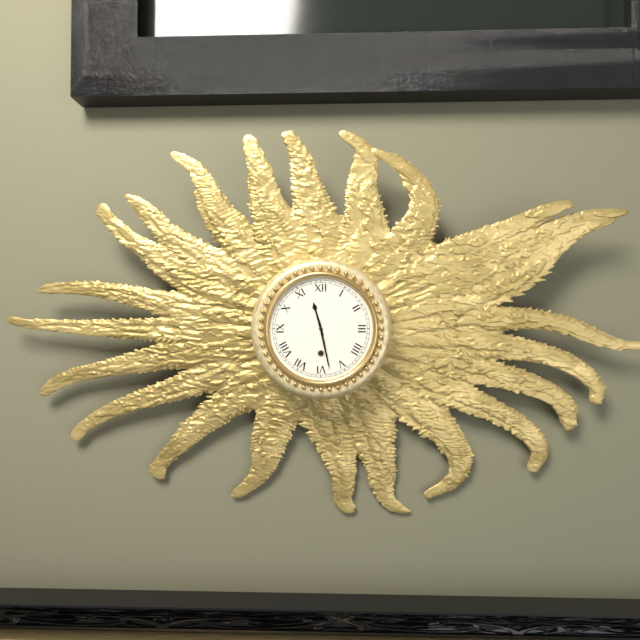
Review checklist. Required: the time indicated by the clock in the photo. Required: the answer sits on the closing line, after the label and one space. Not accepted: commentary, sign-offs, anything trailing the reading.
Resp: 11:28
